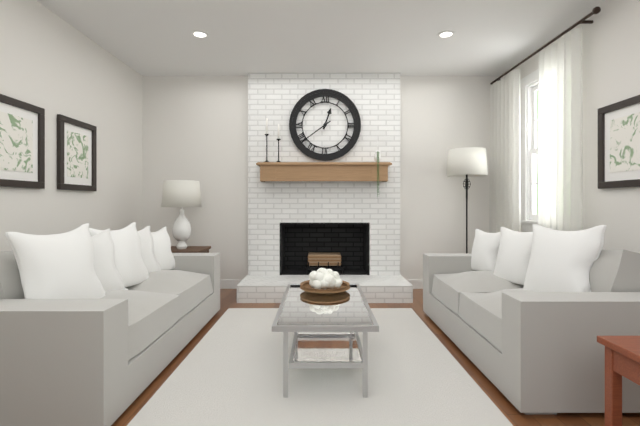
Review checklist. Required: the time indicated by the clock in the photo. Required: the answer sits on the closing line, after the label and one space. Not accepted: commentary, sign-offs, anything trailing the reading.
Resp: 12:39
